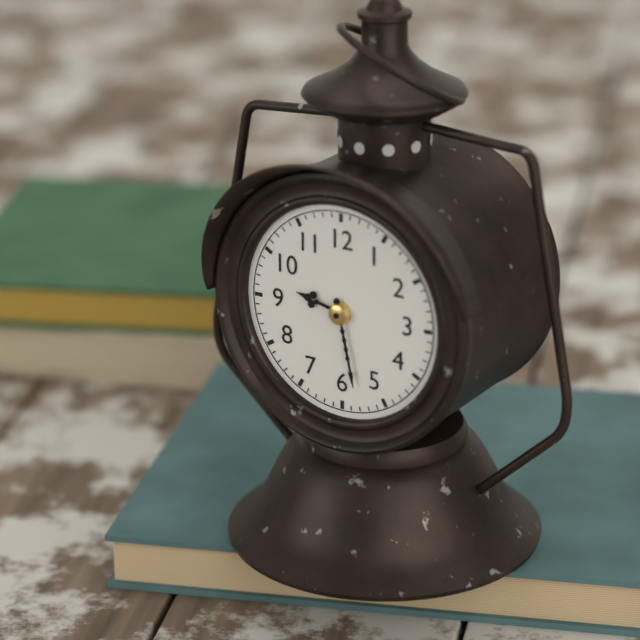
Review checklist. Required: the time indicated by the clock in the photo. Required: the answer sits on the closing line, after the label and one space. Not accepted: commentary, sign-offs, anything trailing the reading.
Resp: 9:28
